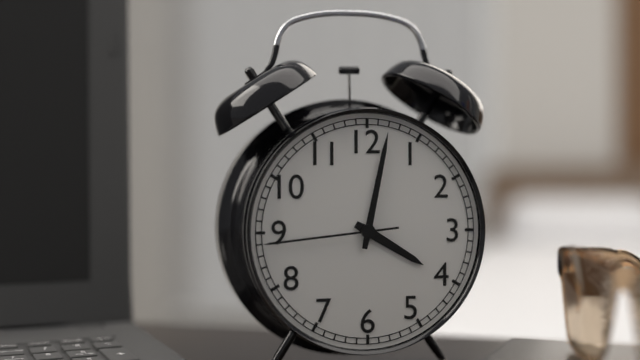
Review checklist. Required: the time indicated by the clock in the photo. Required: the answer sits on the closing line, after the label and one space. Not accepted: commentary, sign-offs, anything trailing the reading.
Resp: 4:02:44
